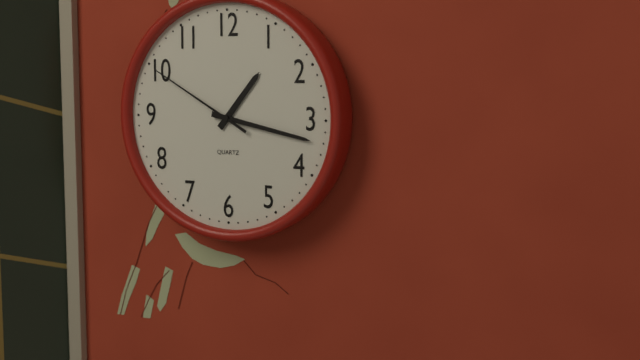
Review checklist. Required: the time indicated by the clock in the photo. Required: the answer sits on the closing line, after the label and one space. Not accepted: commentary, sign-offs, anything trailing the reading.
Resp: 1:17:50
